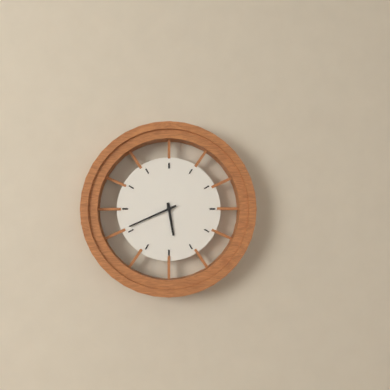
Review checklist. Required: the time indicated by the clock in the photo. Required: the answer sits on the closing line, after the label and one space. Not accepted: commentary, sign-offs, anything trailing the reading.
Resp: 5:41
